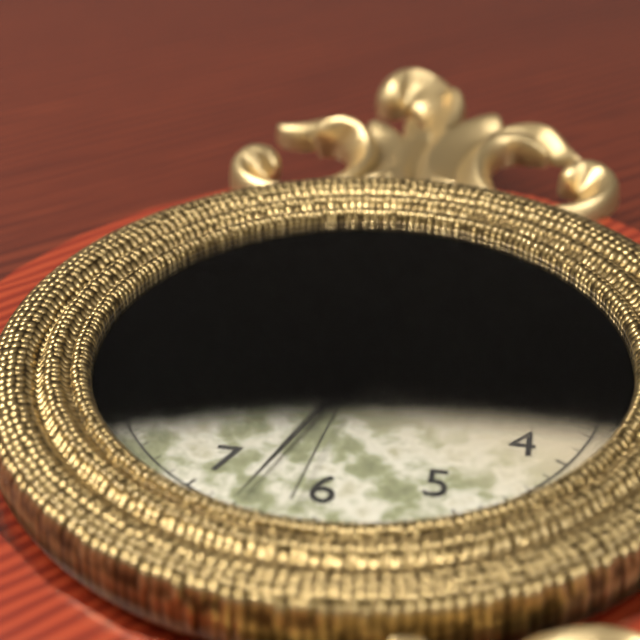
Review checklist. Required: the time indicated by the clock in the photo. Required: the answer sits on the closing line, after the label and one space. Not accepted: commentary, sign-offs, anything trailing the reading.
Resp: 8:33:31
